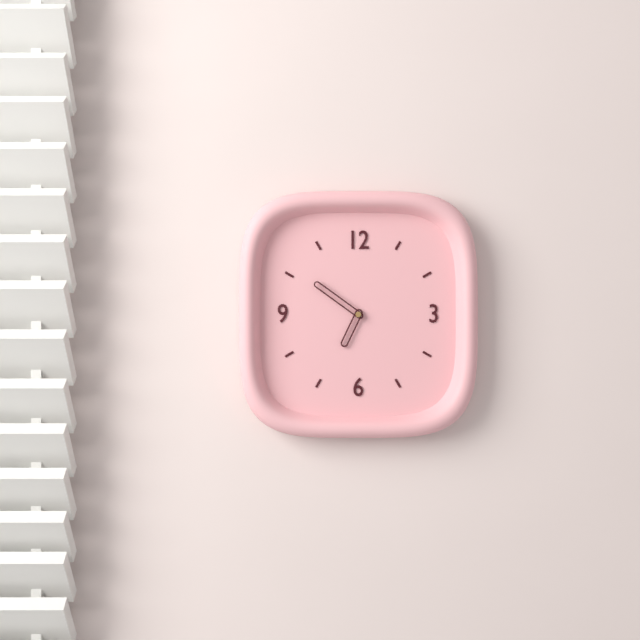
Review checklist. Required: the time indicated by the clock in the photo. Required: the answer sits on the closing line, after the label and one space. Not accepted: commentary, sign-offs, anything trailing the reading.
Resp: 6:51
